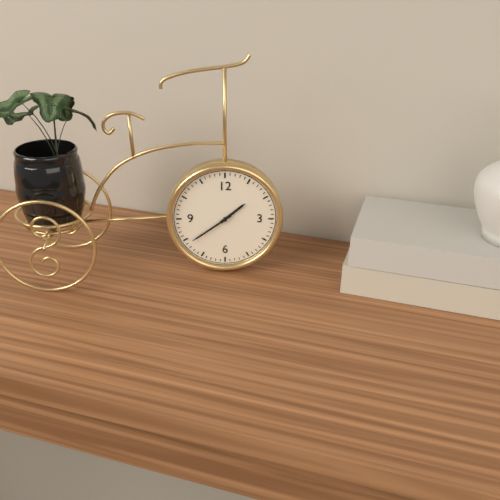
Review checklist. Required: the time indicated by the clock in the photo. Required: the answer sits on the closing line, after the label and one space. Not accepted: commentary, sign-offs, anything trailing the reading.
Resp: 1:39
